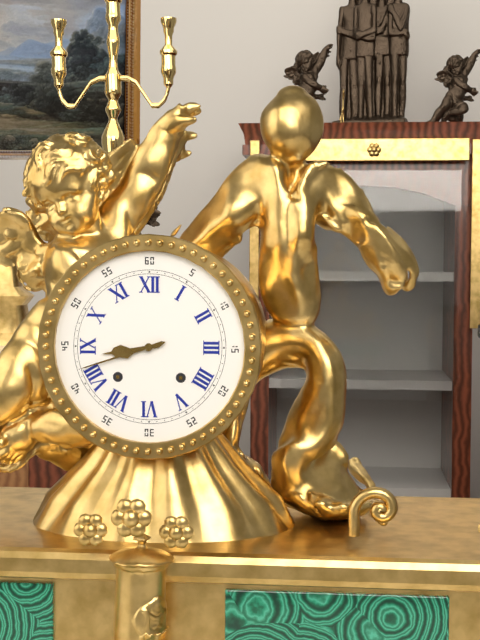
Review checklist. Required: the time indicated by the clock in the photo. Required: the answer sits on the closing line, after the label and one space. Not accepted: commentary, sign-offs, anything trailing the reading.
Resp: 8:42
